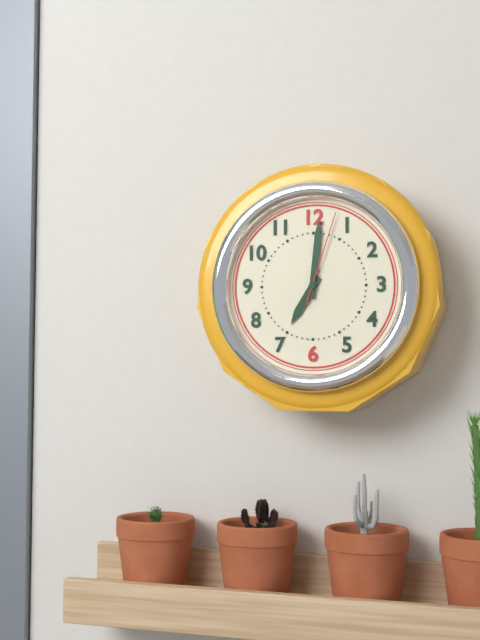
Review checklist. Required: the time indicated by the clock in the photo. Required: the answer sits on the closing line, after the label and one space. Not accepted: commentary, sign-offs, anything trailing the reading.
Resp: 7:01:03
